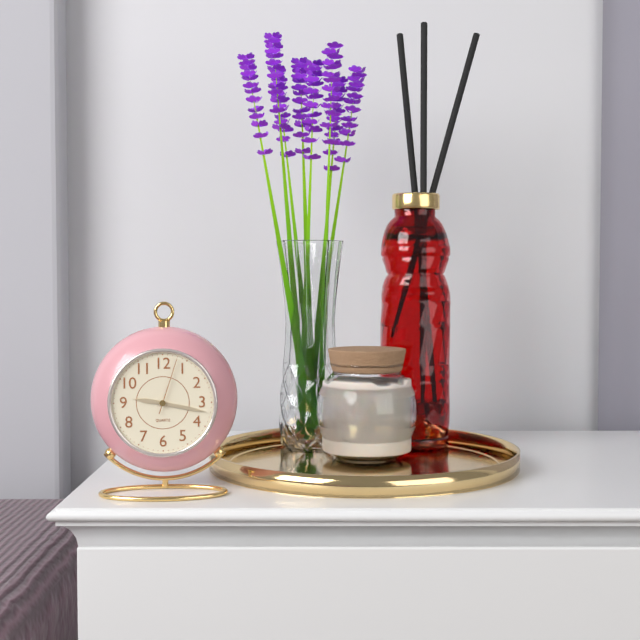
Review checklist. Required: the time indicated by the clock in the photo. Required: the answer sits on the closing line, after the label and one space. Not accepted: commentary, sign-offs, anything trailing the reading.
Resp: 9:17:03
